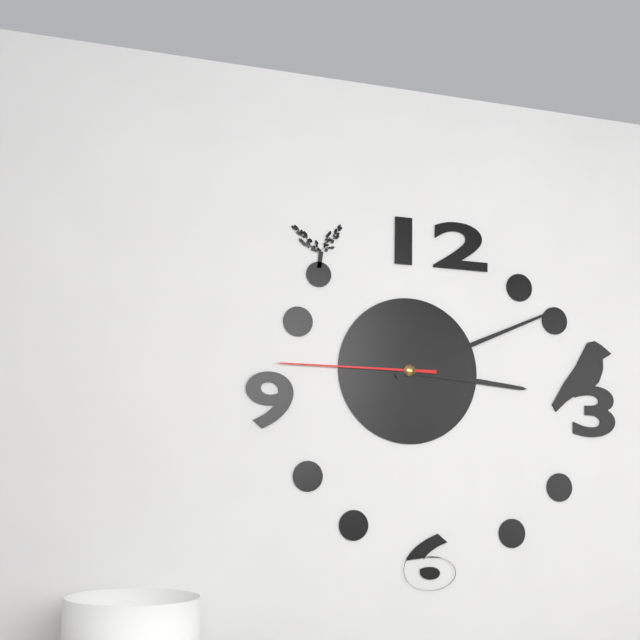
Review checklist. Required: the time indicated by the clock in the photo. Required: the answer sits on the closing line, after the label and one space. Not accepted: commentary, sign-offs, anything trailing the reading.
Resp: 3:11:45
